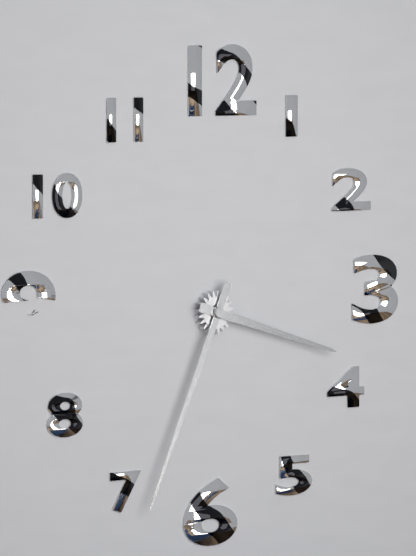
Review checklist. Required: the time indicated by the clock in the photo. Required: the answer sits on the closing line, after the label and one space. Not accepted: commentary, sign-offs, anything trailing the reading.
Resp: 3:34
